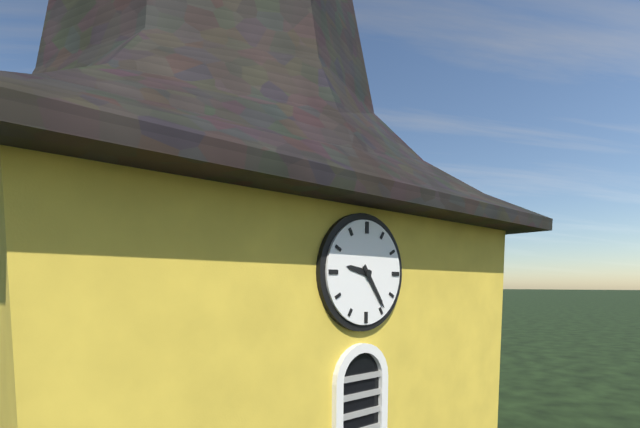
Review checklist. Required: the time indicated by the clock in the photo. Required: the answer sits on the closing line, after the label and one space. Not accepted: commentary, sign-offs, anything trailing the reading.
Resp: 9:24
